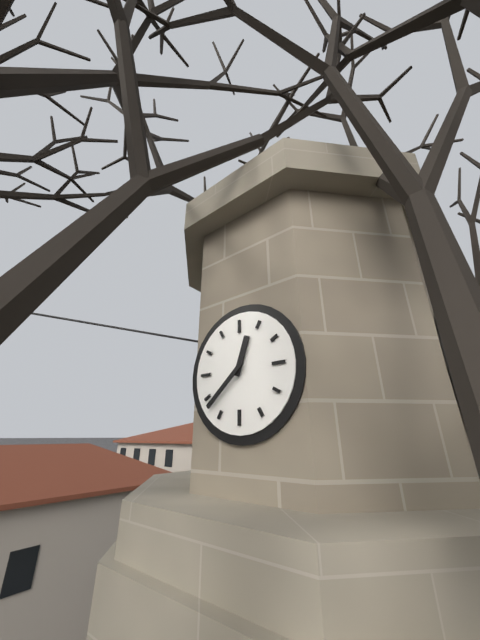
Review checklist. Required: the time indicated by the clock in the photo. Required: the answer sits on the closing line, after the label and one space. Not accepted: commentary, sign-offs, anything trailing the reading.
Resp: 12:38
